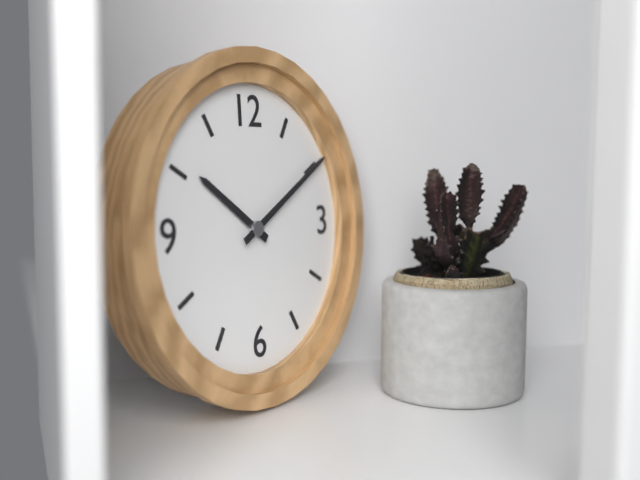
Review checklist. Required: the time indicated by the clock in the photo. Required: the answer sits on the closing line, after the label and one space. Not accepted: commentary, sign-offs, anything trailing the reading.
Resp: 10:10
